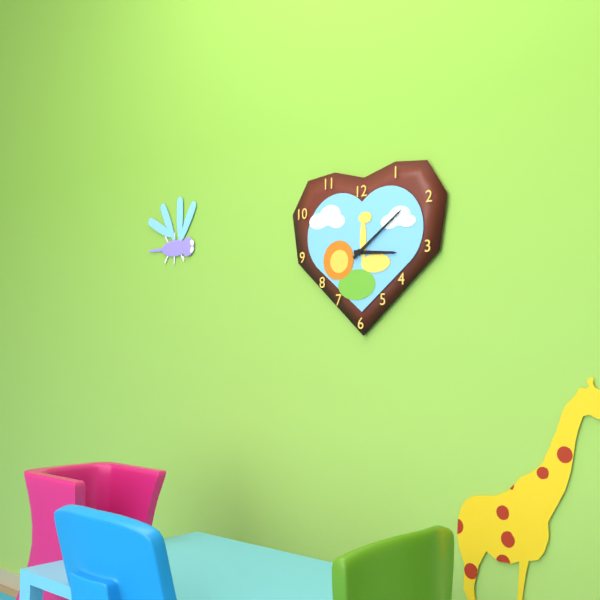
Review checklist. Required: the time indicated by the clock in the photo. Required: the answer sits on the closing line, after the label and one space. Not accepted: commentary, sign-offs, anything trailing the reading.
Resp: 3:09
